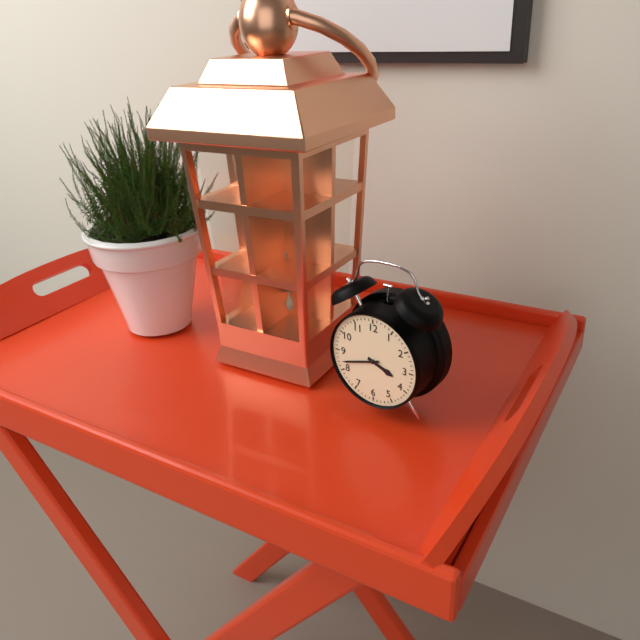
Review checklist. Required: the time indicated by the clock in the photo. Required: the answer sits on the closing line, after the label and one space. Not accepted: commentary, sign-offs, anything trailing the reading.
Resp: 3:42
